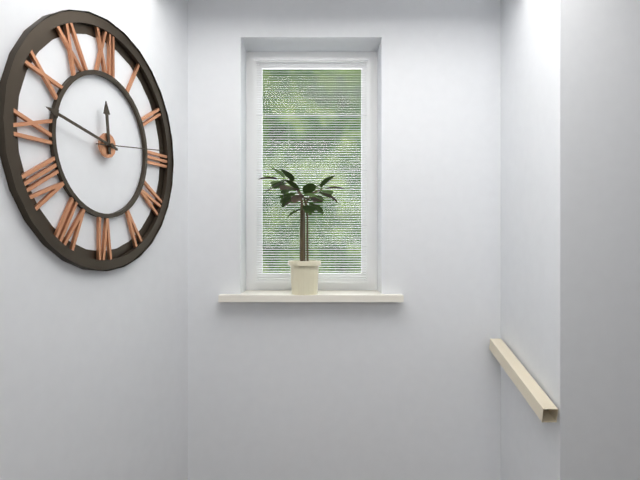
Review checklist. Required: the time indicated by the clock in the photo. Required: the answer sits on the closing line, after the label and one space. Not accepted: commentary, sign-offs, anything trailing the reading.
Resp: 11:47:14
